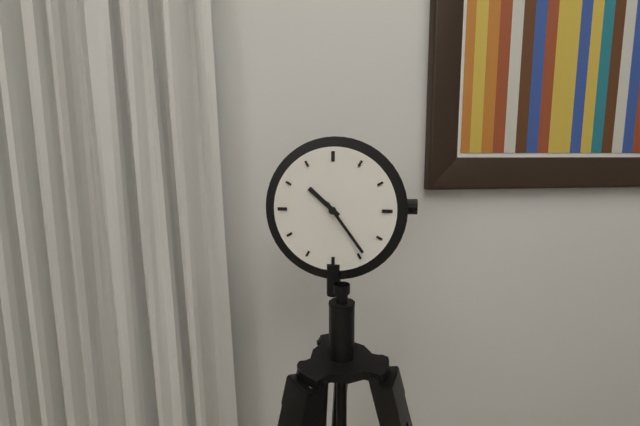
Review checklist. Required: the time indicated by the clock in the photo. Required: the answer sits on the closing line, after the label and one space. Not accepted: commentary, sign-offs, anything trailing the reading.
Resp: 10:24
